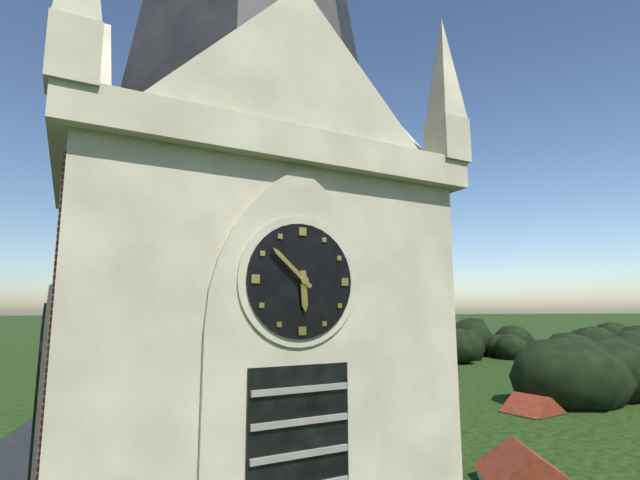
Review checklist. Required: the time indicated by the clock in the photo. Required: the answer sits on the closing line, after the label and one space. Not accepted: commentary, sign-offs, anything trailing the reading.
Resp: 5:52
